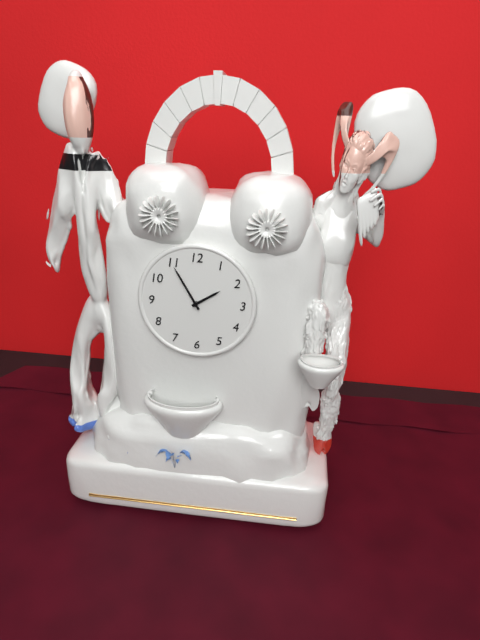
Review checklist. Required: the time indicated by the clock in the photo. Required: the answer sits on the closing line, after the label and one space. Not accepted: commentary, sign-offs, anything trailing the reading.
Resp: 1:55
